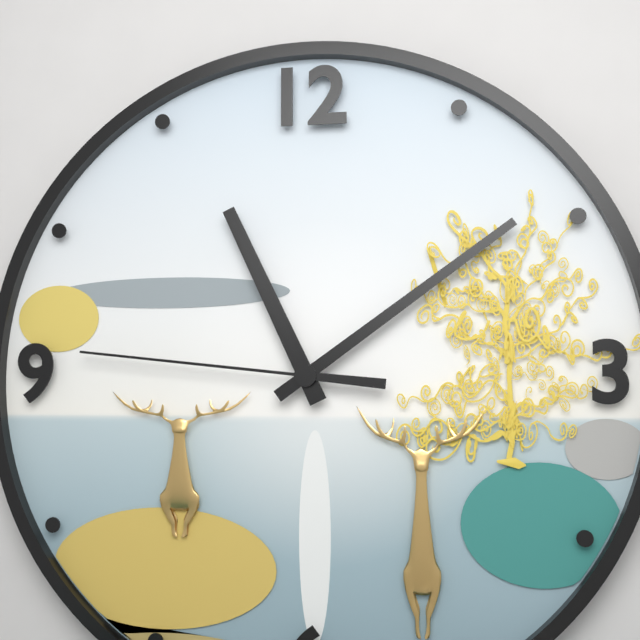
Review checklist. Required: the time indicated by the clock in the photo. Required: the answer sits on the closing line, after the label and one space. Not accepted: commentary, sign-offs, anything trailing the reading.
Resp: 11:09:46
